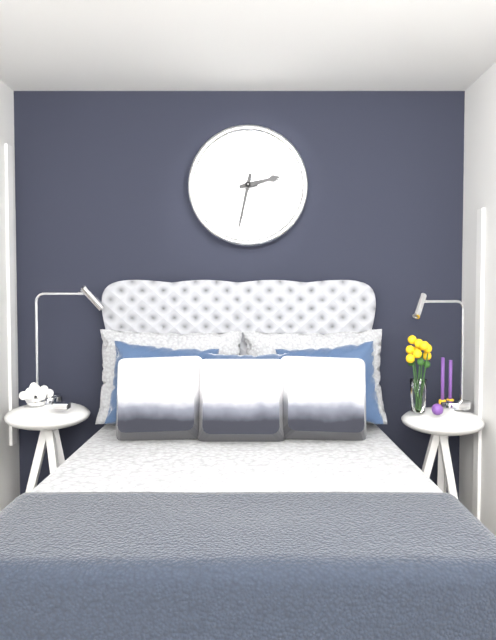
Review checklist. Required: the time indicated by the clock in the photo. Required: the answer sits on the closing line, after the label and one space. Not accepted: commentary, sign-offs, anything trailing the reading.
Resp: 2:32
